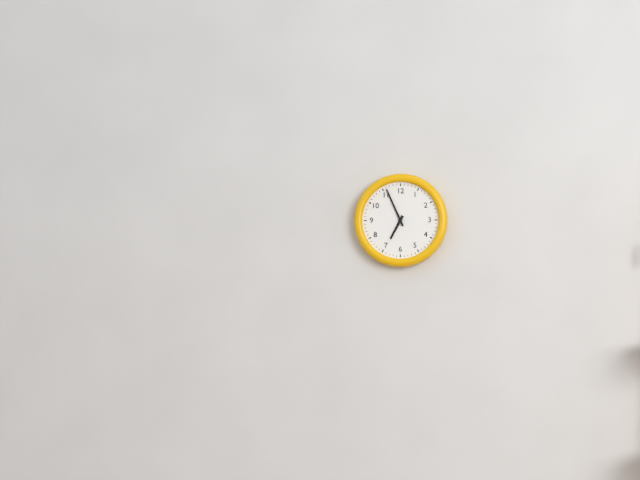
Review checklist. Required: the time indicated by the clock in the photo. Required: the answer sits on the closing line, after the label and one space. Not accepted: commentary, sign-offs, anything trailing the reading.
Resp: 6:56
